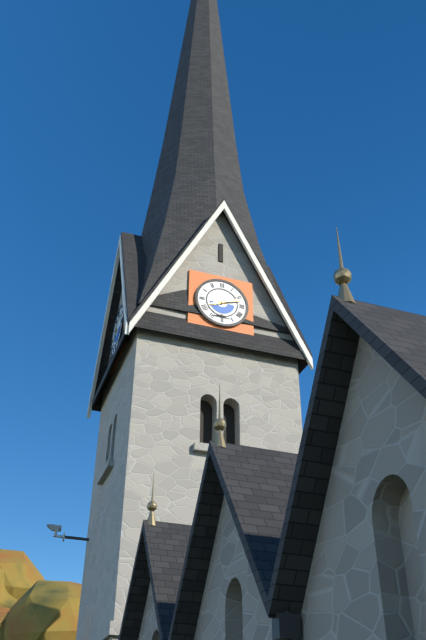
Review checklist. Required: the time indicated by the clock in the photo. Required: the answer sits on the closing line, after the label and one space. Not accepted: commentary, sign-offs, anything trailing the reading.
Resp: 8:12
